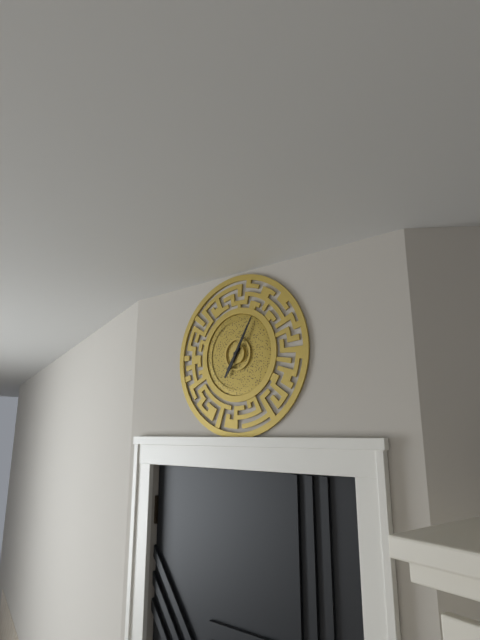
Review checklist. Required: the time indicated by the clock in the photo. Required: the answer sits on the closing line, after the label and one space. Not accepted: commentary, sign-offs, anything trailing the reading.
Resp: 7:05
